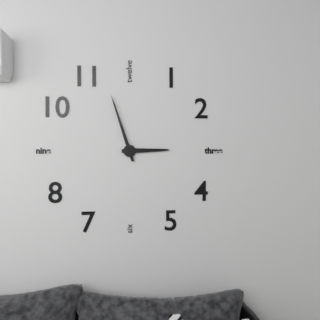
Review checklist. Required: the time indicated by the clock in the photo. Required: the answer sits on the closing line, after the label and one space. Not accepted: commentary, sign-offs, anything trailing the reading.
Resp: 2:57
